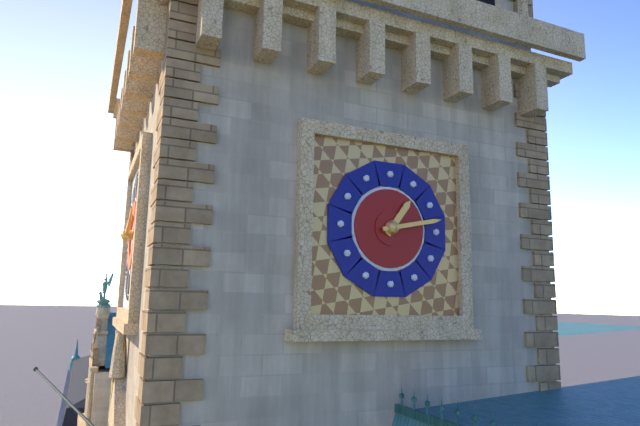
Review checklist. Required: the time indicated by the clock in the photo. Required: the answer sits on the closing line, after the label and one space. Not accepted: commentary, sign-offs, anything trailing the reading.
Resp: 1:13
